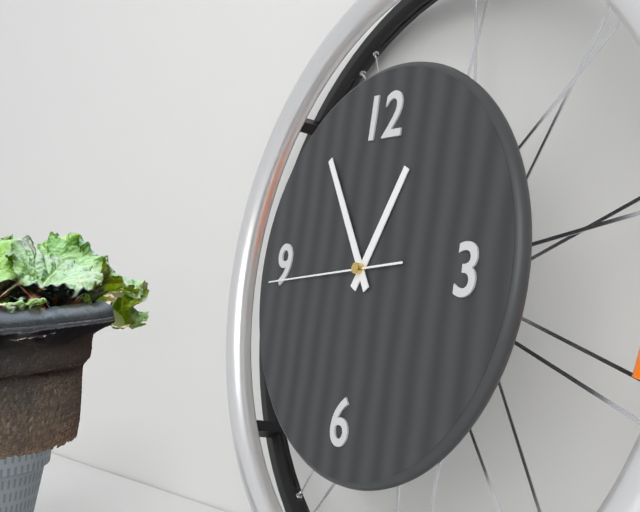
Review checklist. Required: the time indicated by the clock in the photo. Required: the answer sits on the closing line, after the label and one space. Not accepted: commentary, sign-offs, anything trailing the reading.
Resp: 12:54:44
